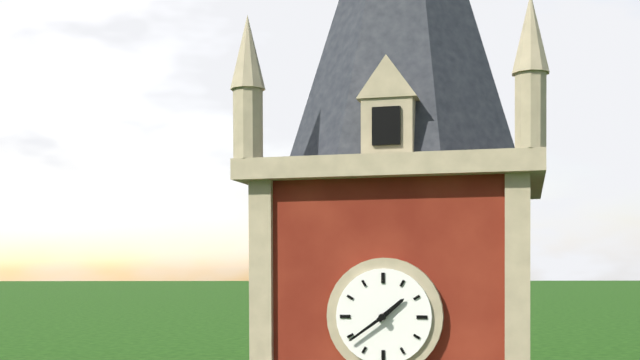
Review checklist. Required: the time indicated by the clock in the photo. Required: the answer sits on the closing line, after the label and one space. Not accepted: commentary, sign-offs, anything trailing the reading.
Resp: 1:39
